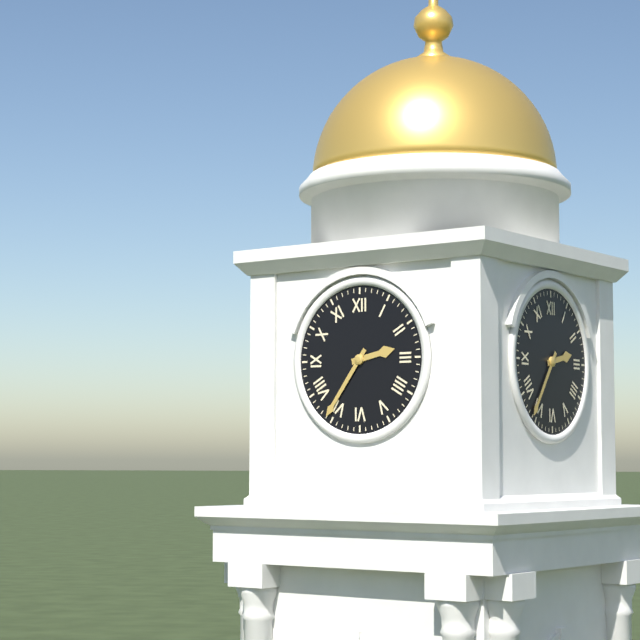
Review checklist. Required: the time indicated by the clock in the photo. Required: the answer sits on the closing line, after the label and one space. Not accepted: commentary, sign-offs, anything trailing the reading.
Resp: 2:36
